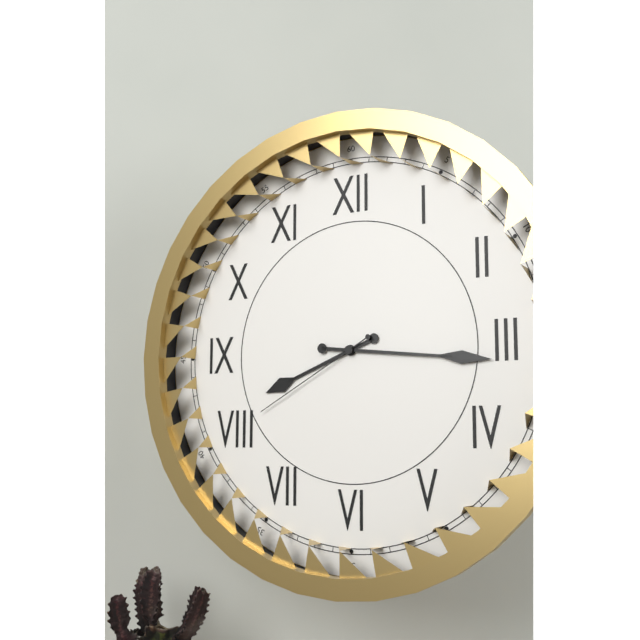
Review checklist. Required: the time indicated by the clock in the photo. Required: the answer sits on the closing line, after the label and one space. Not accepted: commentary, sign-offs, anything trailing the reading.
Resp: 8:16:40
